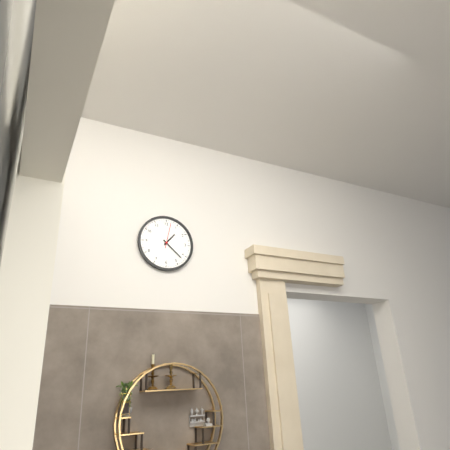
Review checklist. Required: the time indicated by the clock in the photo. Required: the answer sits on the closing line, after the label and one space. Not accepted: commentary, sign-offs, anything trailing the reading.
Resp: 1:22
